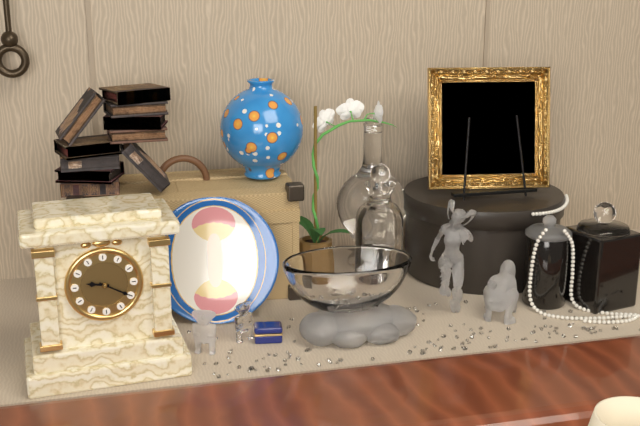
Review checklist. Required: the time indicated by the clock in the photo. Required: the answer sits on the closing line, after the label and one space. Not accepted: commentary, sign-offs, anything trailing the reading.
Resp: 9:20
